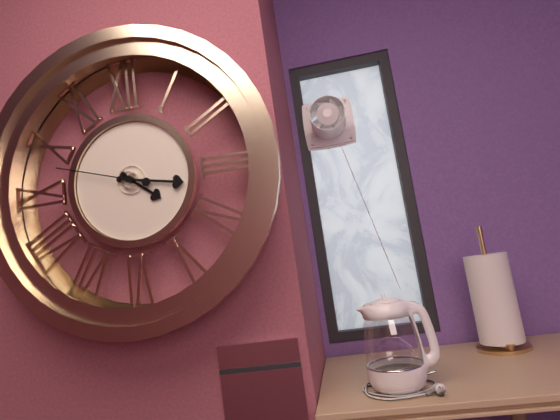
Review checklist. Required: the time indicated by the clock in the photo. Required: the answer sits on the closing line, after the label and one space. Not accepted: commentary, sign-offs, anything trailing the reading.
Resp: 4:17:48
